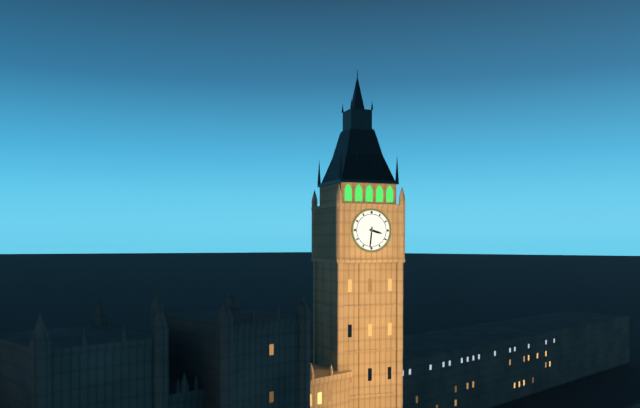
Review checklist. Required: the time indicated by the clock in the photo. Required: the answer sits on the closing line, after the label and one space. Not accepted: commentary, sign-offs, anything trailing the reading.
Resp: 3:31
